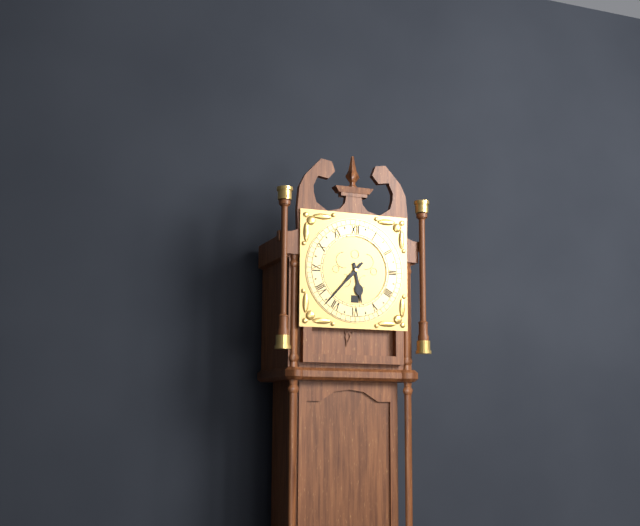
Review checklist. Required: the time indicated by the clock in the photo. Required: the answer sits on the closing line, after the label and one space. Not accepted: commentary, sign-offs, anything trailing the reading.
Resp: 5:37
